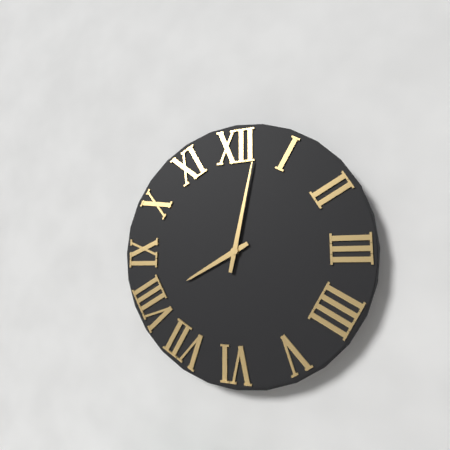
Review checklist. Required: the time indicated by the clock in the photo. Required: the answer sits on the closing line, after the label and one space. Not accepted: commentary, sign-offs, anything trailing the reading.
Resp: 8:02
